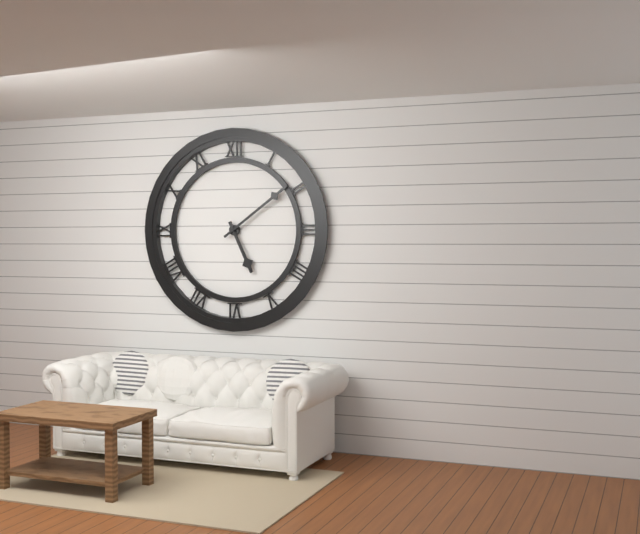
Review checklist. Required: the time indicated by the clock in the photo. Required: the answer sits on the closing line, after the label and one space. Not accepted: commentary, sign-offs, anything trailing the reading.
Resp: 5:09
